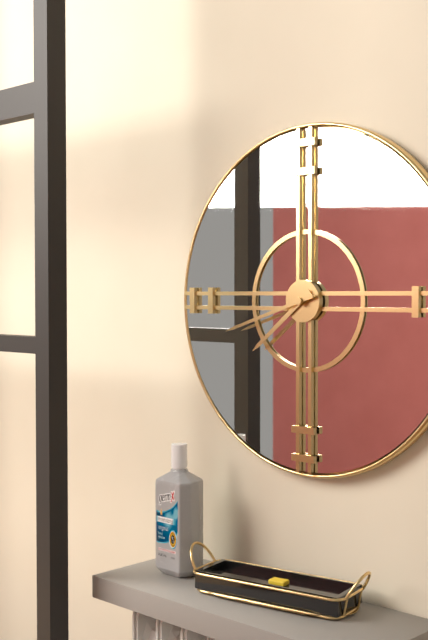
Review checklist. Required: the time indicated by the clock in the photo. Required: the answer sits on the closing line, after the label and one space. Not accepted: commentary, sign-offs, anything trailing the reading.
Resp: 7:42
